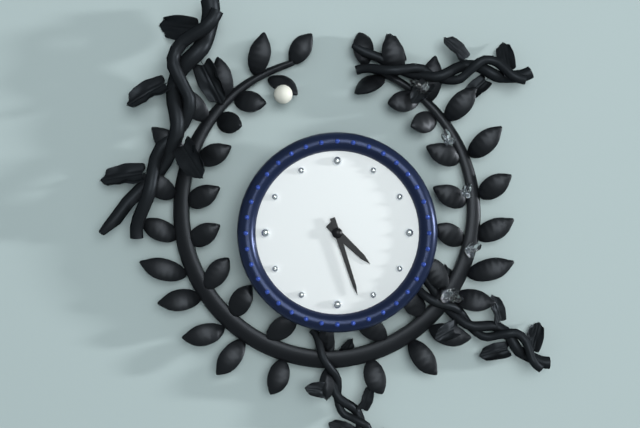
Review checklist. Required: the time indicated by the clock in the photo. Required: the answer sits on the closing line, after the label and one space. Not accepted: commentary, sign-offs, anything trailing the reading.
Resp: 4:27
